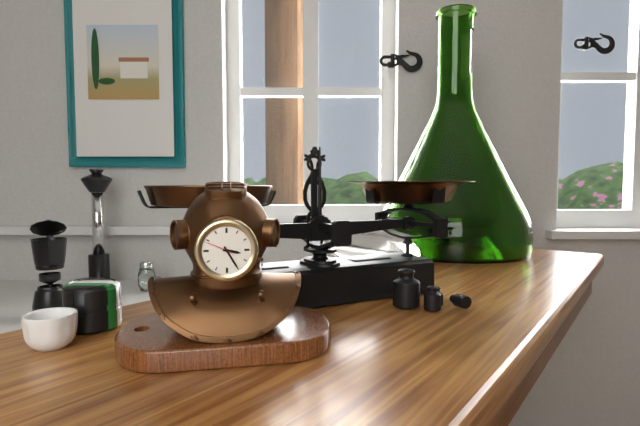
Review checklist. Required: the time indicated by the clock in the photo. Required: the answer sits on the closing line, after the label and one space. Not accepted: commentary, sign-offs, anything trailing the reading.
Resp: 3:25
